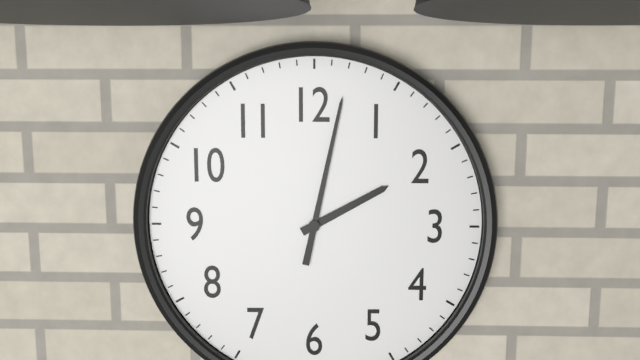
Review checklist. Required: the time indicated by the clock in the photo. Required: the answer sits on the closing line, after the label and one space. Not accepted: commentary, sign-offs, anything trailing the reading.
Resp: 2:02
